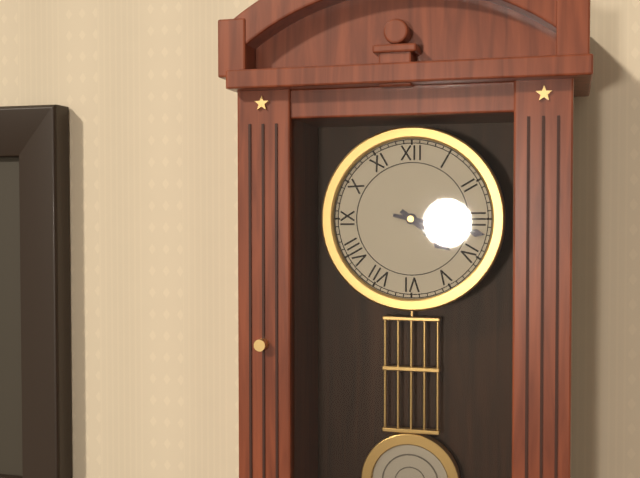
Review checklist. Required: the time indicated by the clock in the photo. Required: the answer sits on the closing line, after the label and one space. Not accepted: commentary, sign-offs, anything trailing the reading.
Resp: 4:17
